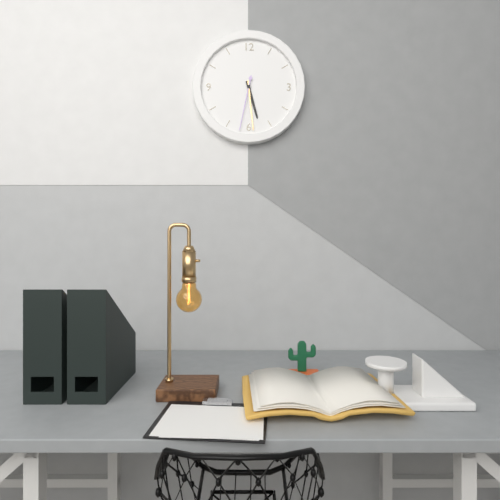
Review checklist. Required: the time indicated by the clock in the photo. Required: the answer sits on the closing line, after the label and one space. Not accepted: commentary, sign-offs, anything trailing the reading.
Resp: 5:29:32
